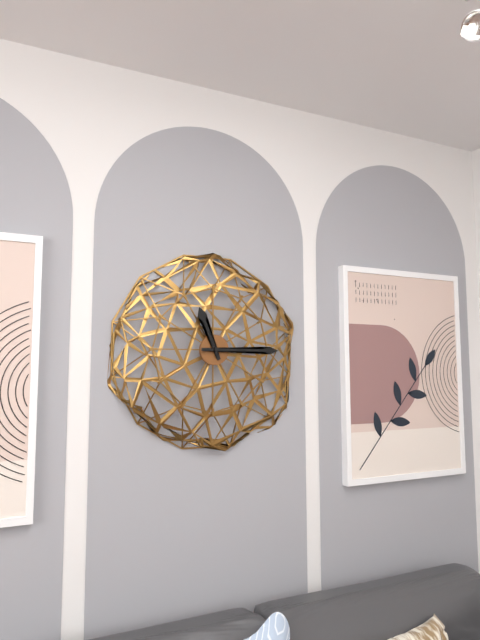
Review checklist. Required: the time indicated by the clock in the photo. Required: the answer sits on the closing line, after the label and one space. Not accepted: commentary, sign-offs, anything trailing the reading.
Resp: 11:15
